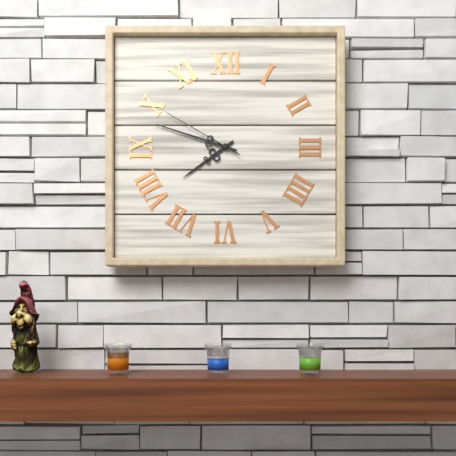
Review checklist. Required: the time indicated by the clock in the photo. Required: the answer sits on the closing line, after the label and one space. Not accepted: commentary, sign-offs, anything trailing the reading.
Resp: 7:48:50
